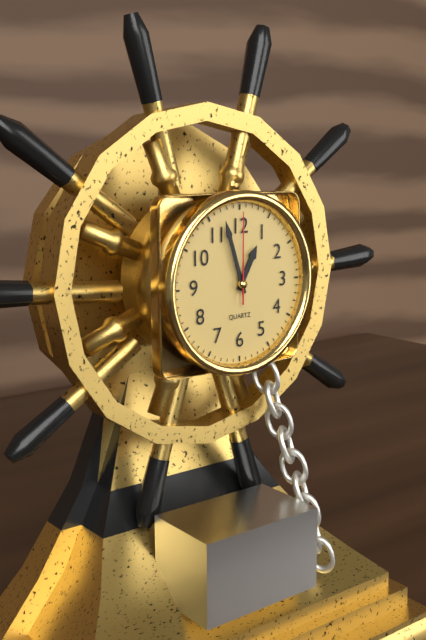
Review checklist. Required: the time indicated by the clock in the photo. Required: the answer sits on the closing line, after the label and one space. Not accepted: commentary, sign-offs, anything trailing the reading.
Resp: 12:57:00
